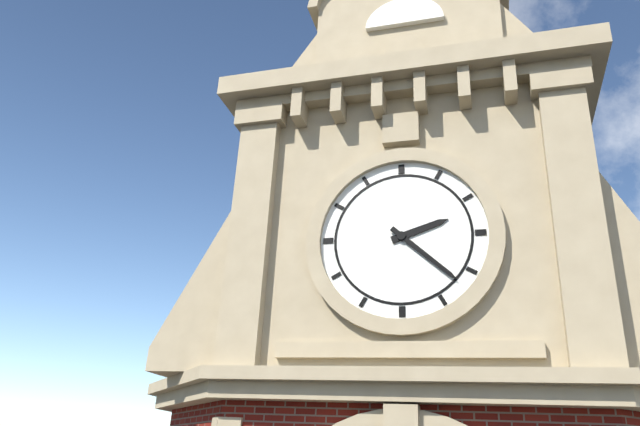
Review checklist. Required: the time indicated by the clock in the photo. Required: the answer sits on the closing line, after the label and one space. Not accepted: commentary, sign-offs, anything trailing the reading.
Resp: 2:22
